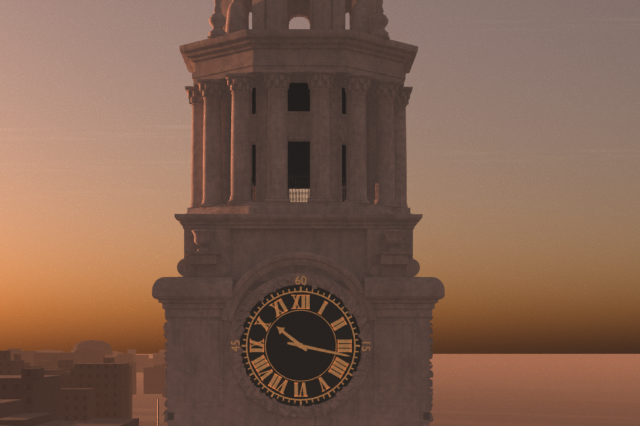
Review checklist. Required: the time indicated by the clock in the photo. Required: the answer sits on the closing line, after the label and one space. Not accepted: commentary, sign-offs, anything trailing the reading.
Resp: 10:17
